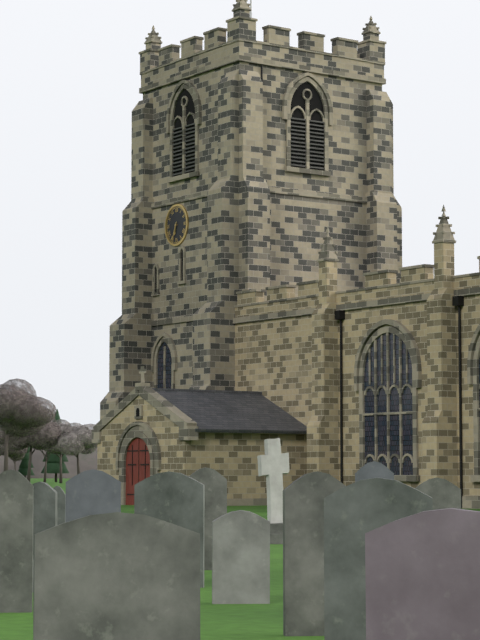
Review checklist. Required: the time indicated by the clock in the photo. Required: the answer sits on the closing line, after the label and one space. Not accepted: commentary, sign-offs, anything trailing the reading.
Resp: 6:34
